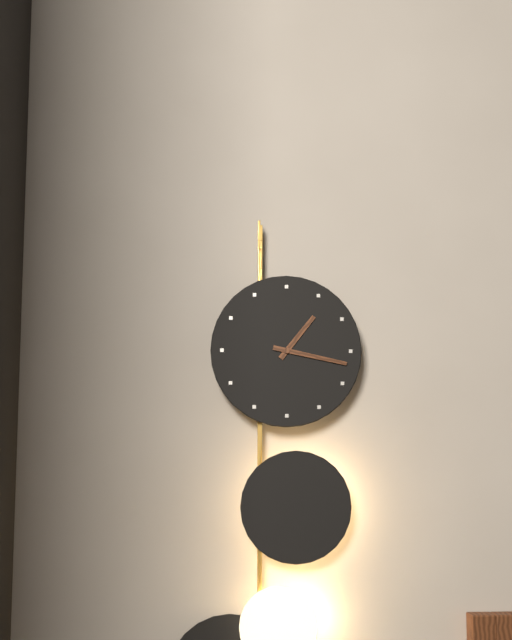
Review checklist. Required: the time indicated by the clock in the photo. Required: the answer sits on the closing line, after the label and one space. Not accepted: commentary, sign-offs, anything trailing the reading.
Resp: 1:17
